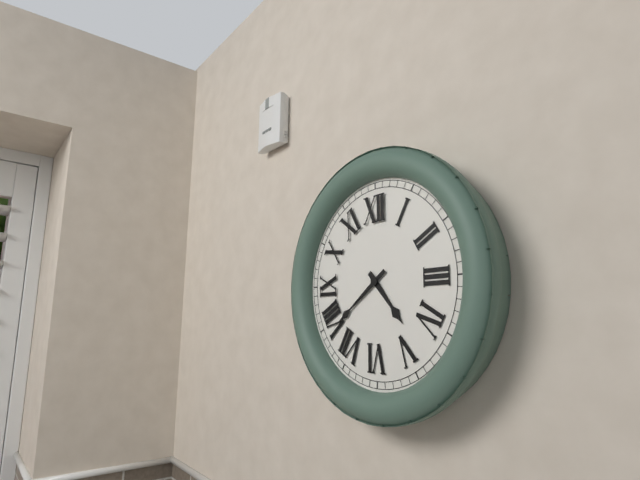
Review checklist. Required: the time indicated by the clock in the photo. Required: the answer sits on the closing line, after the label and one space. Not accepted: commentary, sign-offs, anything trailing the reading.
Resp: 4:39
